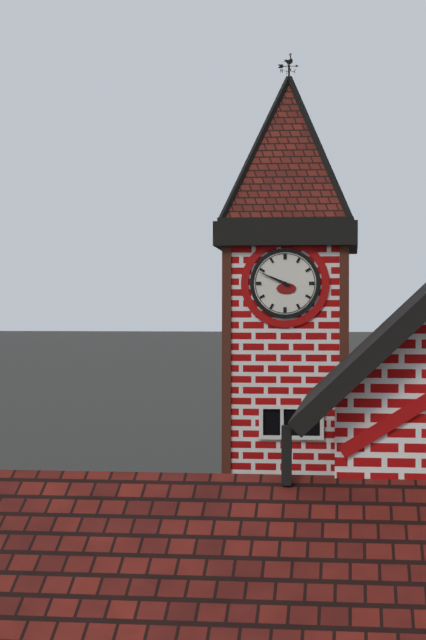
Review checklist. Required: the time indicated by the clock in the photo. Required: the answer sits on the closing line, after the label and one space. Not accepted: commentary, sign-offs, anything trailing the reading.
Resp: 9:49
